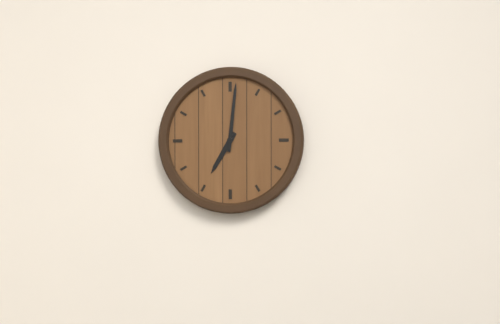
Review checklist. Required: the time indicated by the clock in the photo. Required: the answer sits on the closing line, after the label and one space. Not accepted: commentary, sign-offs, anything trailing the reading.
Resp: 7:01
